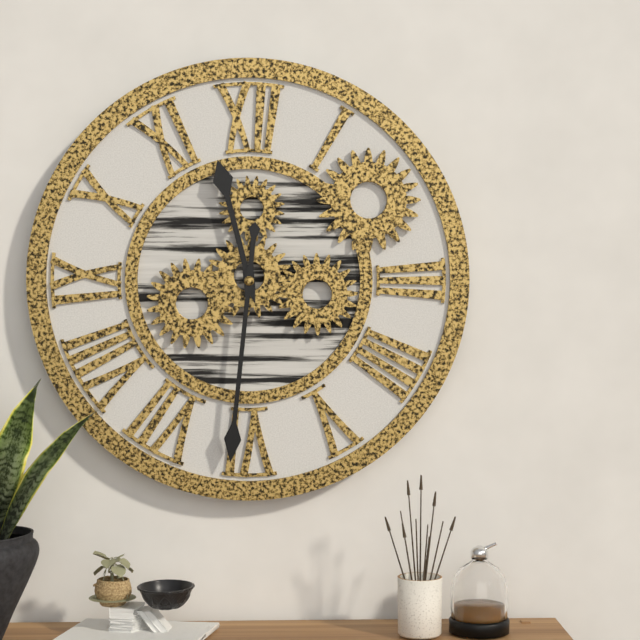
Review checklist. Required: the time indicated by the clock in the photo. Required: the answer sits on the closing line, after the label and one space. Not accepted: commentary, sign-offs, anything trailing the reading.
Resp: 11:31
